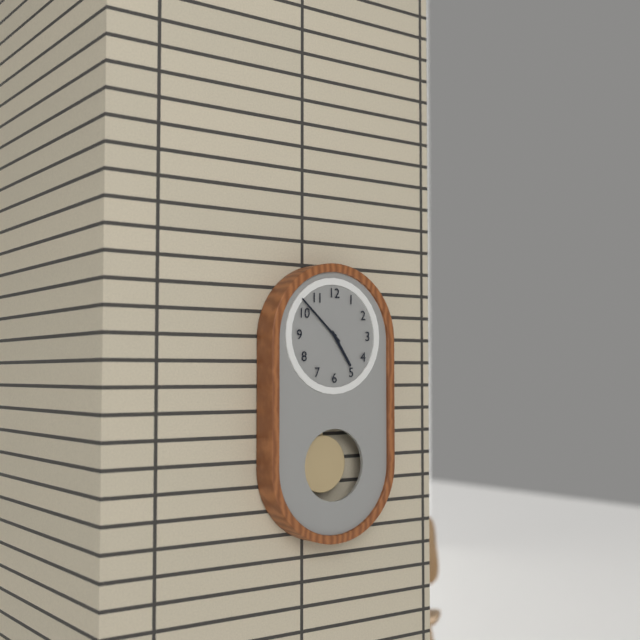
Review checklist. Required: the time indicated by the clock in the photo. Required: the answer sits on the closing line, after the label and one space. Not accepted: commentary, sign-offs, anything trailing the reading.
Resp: 4:52
